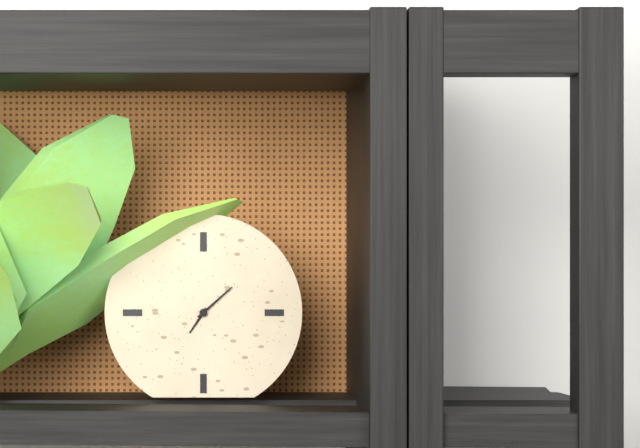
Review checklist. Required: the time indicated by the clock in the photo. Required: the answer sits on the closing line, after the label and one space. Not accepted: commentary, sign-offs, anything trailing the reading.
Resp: 7:08
